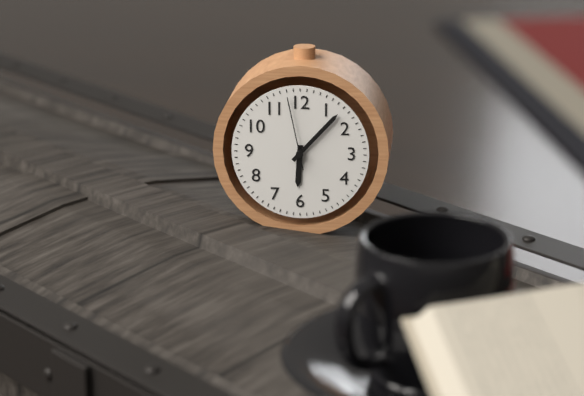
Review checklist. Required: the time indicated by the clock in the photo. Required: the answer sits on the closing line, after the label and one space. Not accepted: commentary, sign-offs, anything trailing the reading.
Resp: 6:07:58
